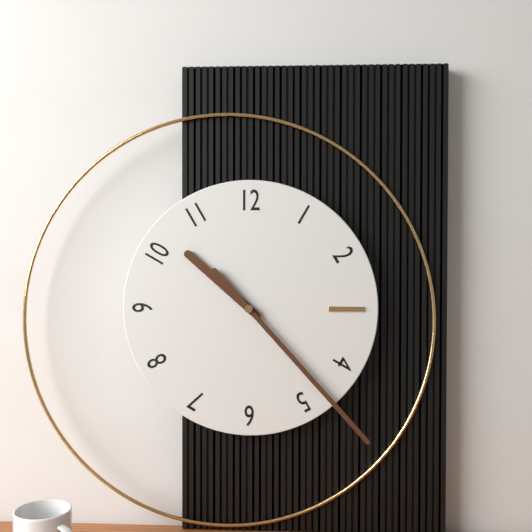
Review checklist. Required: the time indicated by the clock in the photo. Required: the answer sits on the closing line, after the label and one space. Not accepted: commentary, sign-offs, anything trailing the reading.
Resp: 10:23
